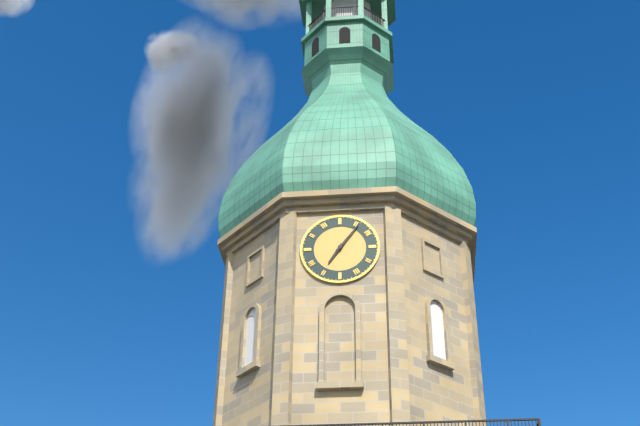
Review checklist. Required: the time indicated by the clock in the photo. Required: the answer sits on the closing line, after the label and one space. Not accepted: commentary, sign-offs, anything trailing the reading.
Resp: 7:06
